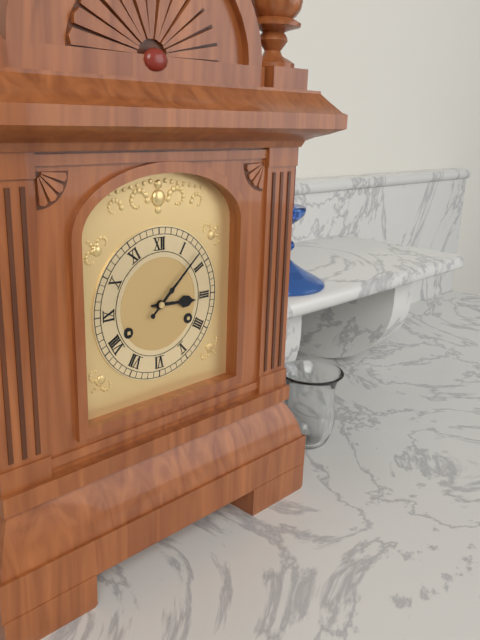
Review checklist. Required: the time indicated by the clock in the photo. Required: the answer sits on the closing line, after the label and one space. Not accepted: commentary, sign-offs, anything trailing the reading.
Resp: 3:08
